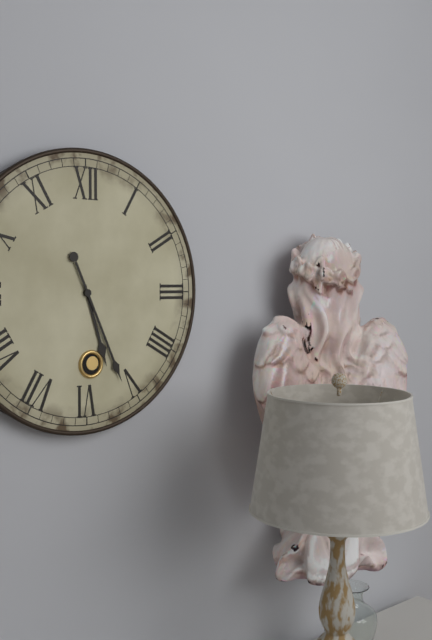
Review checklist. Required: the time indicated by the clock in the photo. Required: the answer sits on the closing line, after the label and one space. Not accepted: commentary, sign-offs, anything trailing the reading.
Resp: 5:26
